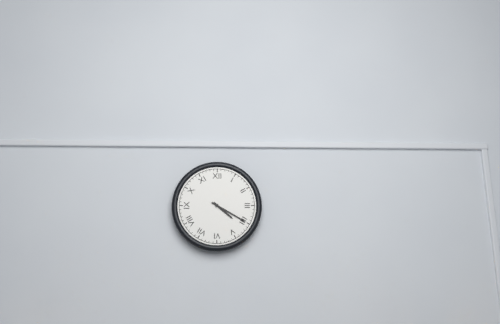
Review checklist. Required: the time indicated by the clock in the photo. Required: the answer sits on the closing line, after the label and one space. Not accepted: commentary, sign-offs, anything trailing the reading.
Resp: 4:20
